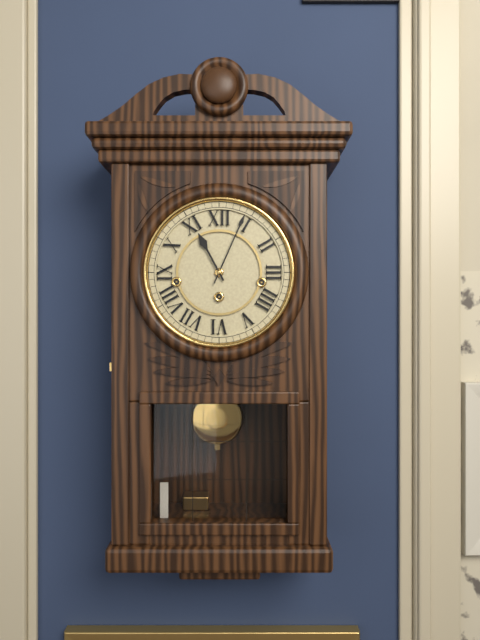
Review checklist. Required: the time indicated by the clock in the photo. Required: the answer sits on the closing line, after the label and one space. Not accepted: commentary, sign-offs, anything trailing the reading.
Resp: 11:04
